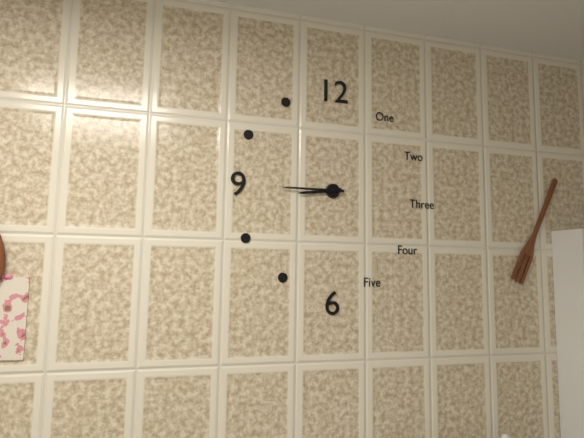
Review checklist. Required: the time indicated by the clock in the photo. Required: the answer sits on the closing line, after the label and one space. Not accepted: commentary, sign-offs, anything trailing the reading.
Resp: 8:45
